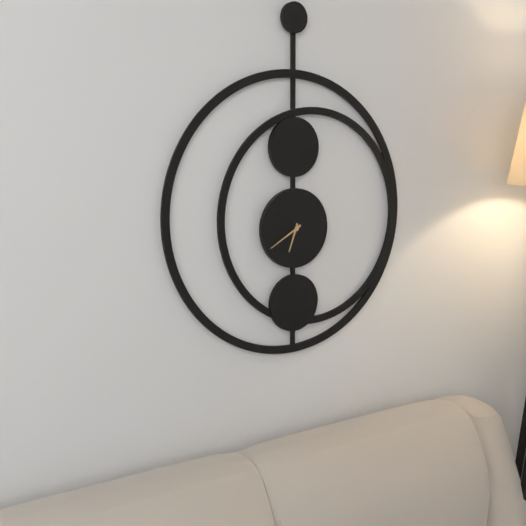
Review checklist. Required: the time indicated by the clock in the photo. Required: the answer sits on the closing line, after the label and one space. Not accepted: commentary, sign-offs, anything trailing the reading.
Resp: 6:40
